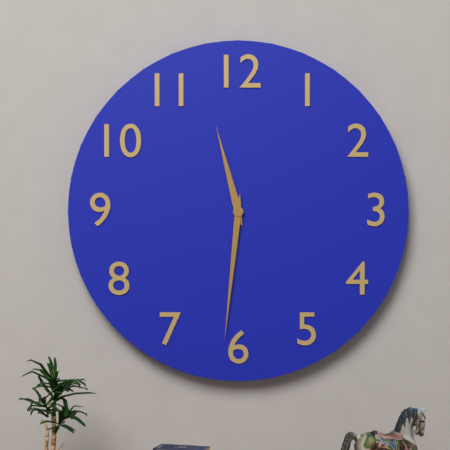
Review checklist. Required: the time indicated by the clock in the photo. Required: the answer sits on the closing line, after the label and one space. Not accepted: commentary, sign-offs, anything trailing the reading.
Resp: 11:31
